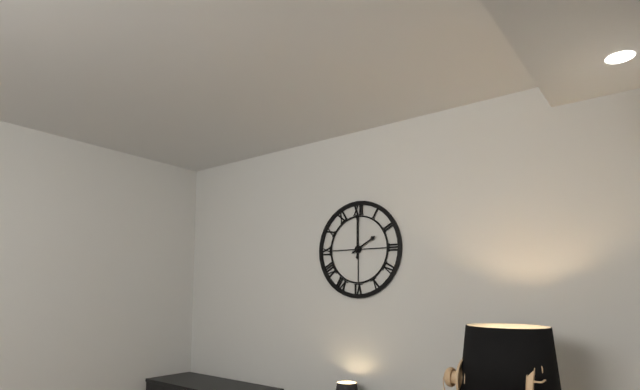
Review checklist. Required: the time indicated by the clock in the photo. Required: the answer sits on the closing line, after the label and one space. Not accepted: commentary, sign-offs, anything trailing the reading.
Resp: 2:00
